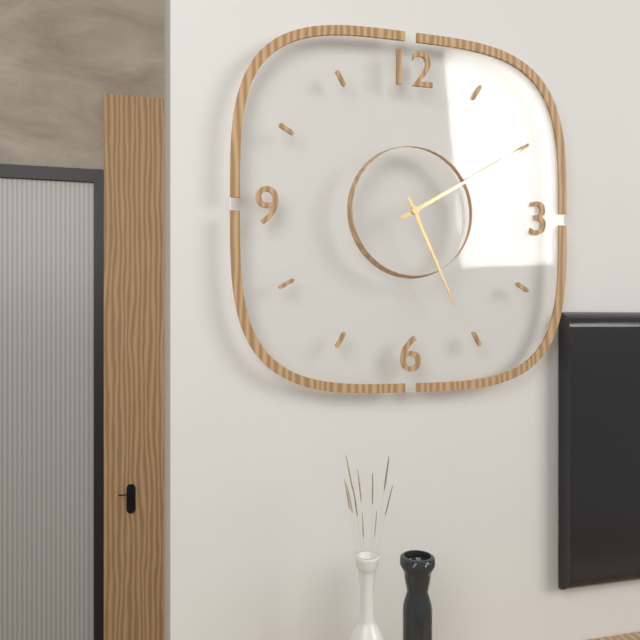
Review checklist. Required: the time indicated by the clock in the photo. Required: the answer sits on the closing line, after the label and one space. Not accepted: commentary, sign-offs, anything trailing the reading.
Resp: 5:10
